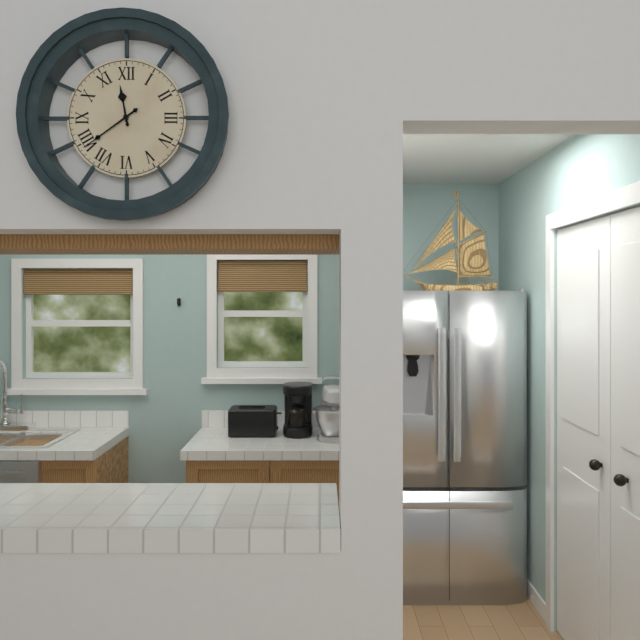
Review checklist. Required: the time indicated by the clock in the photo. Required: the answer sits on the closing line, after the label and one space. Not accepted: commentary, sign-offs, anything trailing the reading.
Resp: 11:39
